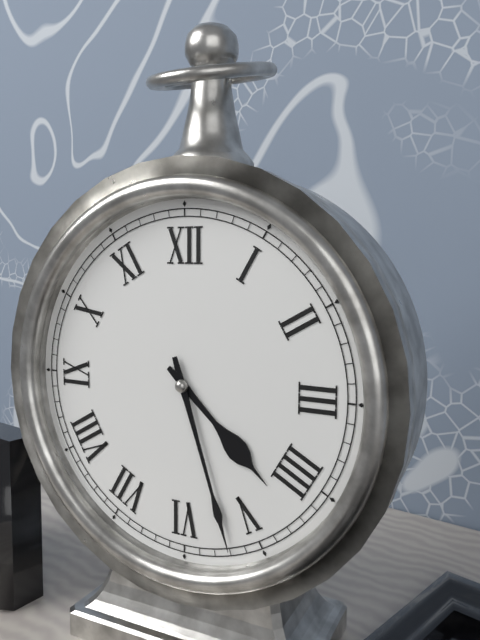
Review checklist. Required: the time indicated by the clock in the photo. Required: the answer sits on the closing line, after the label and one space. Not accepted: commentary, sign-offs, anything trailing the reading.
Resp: 4:27
